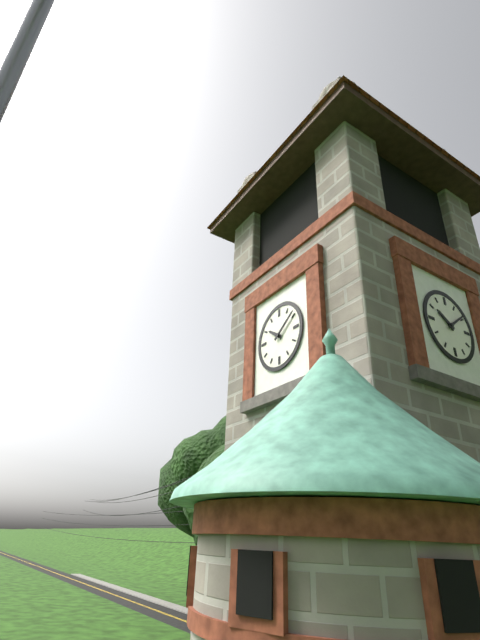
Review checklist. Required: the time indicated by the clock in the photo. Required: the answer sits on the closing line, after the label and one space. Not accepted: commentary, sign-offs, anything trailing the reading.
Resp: 10:09
